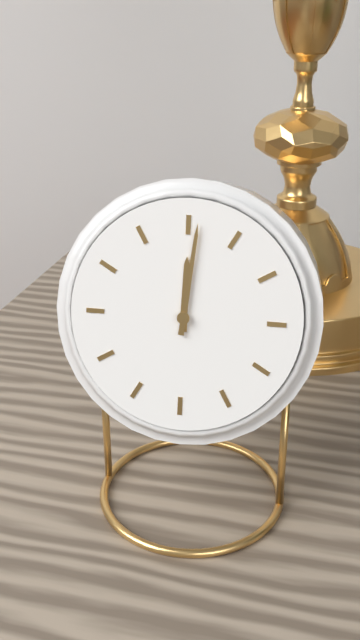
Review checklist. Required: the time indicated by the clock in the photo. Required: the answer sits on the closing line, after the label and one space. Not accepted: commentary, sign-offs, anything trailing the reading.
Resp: 12:01
